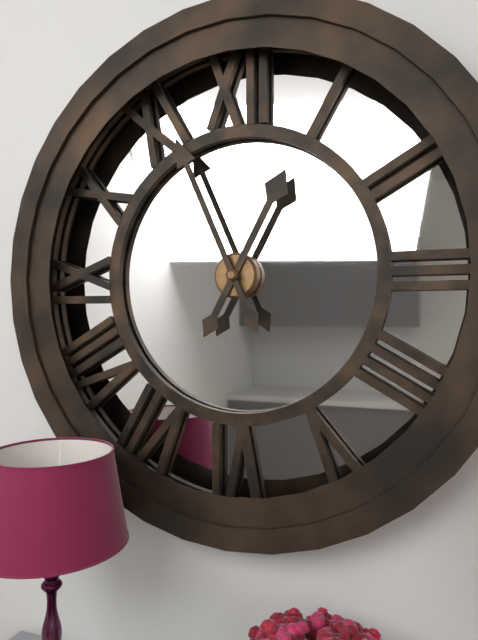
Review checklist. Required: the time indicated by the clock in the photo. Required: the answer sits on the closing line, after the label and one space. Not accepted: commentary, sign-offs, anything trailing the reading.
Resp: 12:56
